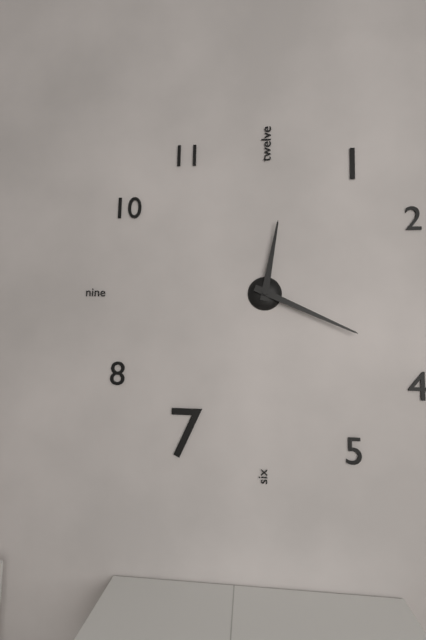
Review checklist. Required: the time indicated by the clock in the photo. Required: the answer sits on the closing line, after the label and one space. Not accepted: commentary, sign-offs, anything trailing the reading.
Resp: 12:19
